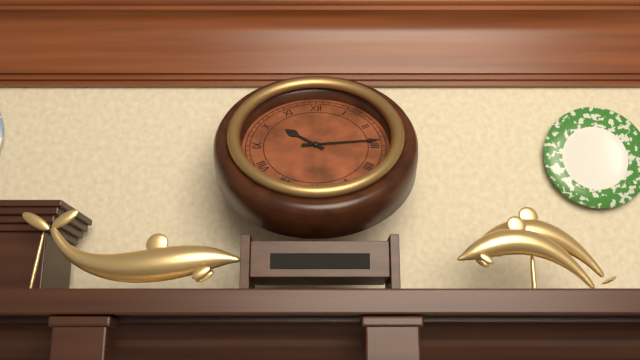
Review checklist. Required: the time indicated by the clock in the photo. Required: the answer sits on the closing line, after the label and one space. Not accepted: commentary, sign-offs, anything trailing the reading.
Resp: 10:14
